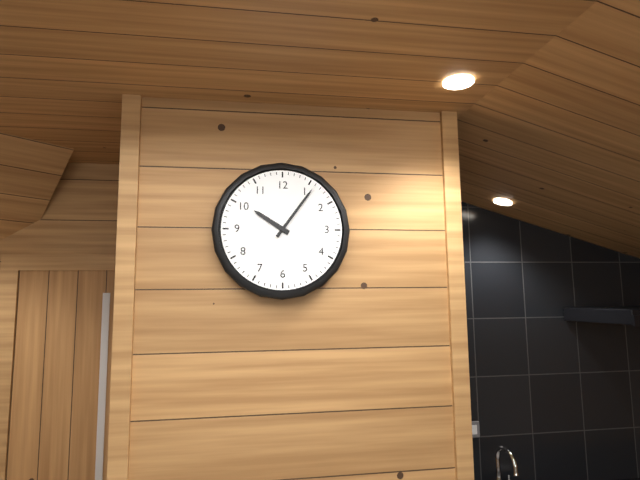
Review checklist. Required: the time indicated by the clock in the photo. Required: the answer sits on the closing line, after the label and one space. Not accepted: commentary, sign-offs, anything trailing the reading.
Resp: 10:06
